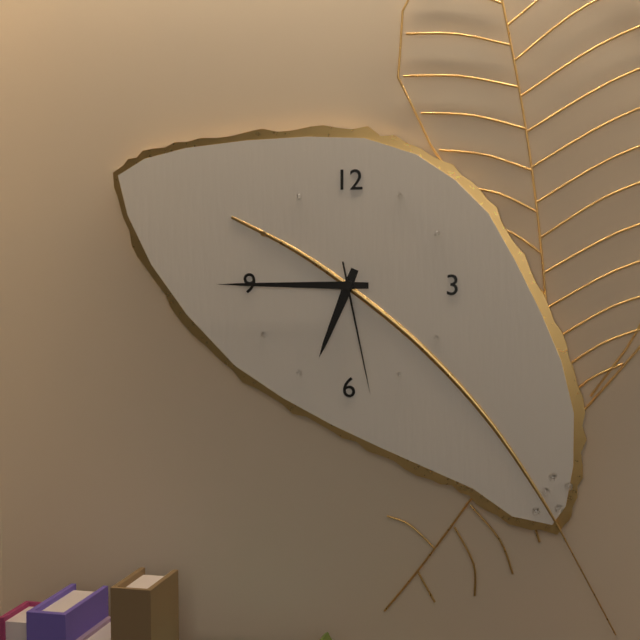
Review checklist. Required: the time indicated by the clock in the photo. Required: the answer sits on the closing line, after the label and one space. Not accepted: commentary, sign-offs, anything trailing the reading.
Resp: 6:45:28
